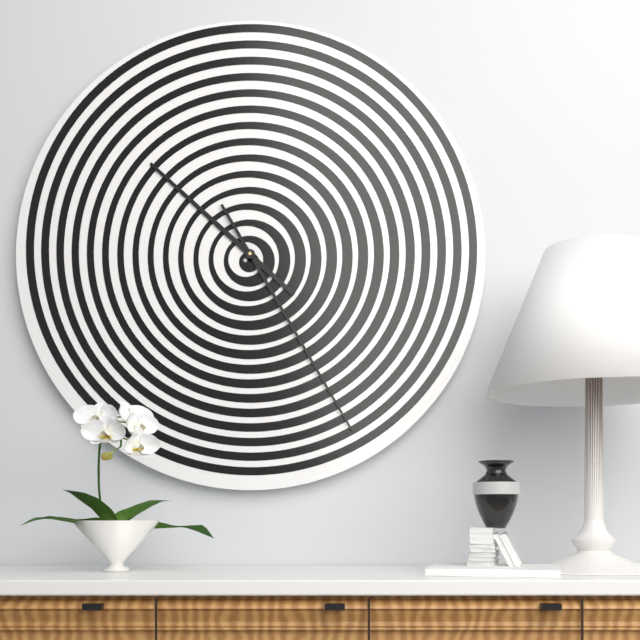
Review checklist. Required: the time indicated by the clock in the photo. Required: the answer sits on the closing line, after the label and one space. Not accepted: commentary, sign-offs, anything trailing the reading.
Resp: 10:25
